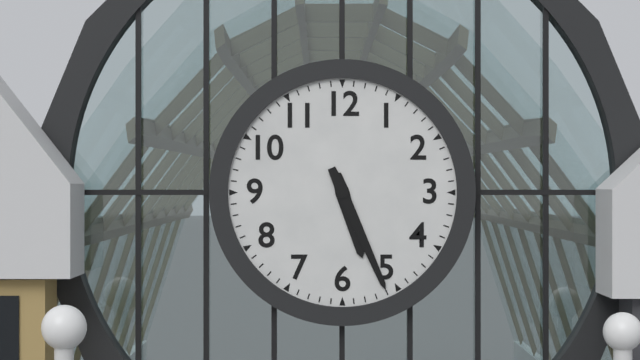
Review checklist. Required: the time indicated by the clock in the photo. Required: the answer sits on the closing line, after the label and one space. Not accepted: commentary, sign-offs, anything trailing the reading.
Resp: 5:26
